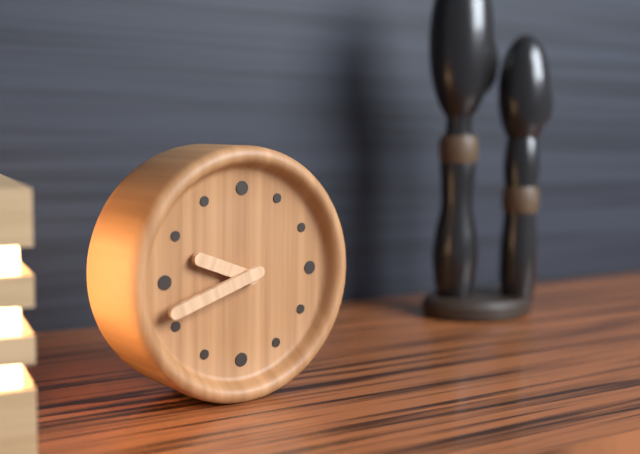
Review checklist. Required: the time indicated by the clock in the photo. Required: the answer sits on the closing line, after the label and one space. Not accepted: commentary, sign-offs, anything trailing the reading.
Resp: 9:42
